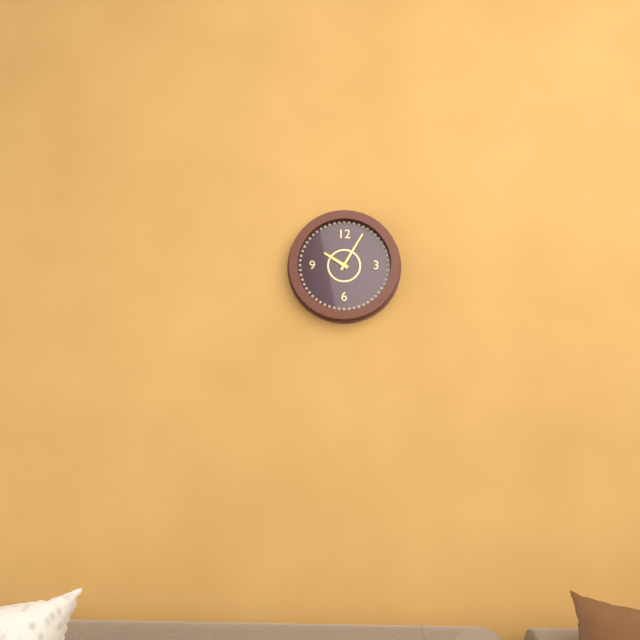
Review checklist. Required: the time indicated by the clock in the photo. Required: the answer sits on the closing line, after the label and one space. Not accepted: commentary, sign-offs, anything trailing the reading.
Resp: 10:05
